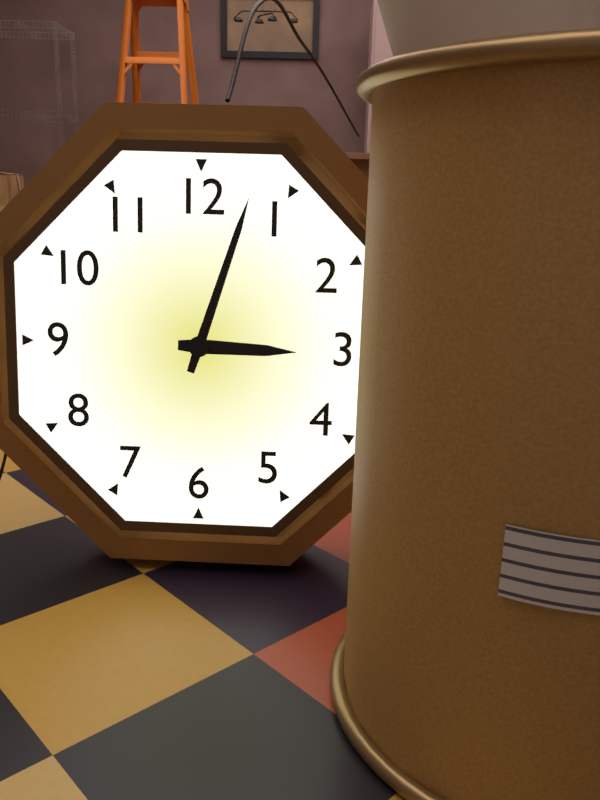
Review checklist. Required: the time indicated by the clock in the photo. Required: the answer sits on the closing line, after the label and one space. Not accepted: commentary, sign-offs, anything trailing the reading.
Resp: 3:03
